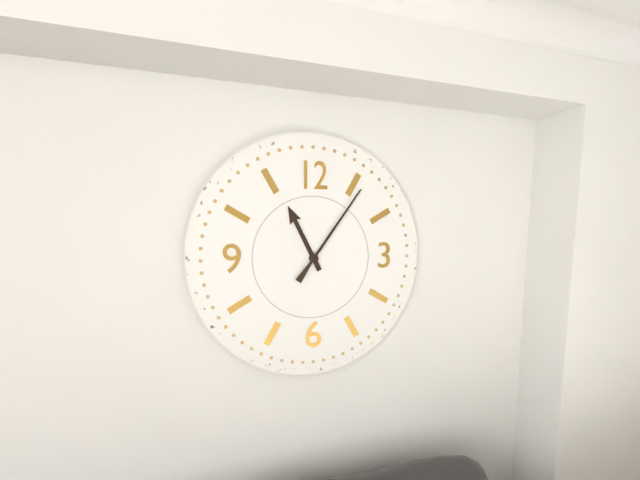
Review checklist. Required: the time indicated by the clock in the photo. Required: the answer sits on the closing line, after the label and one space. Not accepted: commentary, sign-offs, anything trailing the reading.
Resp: 11:06
